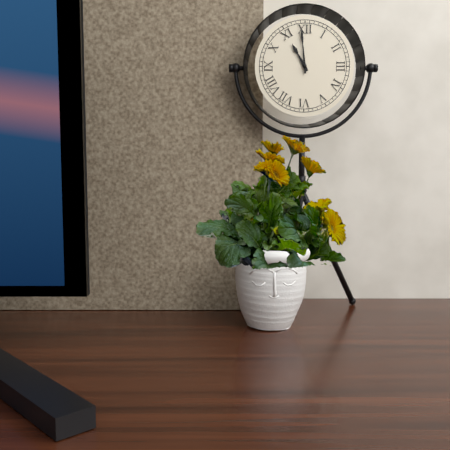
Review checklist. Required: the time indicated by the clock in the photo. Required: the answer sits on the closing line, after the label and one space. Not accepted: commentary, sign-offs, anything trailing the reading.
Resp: 10:59
